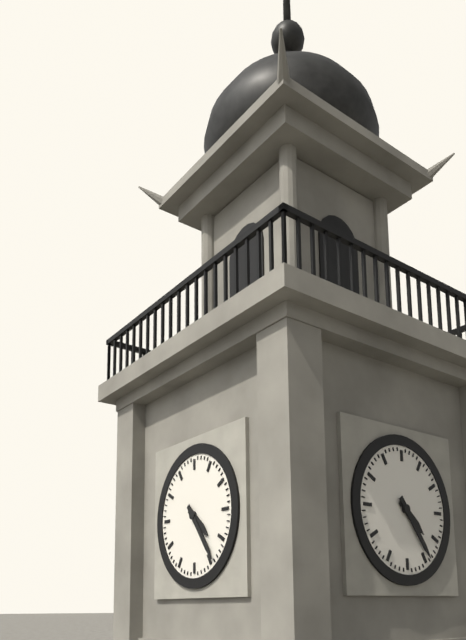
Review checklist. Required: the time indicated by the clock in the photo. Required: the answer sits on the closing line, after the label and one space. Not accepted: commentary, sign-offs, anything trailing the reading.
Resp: 4:24
